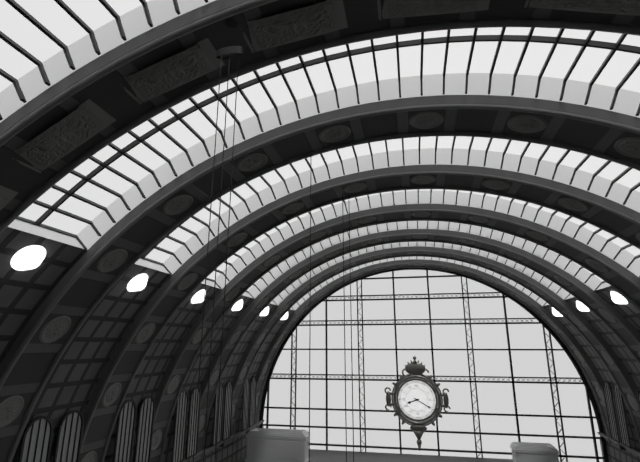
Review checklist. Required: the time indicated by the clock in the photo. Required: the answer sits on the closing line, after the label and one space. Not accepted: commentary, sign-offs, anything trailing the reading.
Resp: 8:20
